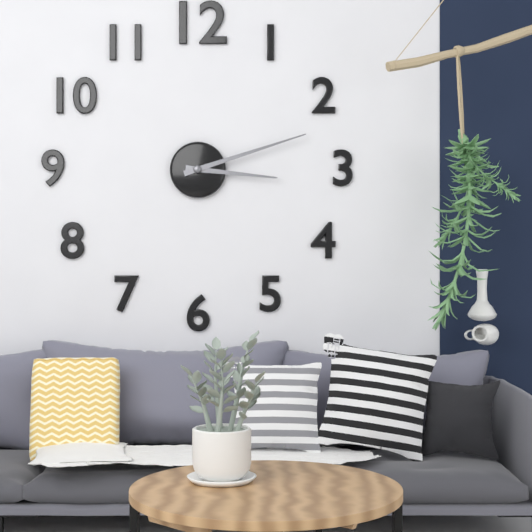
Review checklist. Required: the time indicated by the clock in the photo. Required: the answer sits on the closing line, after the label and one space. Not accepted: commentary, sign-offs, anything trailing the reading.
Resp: 3:12
